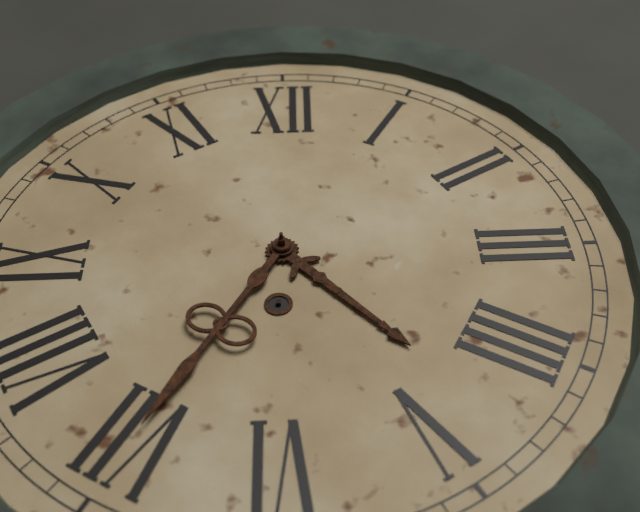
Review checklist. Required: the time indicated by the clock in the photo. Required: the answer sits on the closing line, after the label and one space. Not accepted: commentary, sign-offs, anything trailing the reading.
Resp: 4:35
